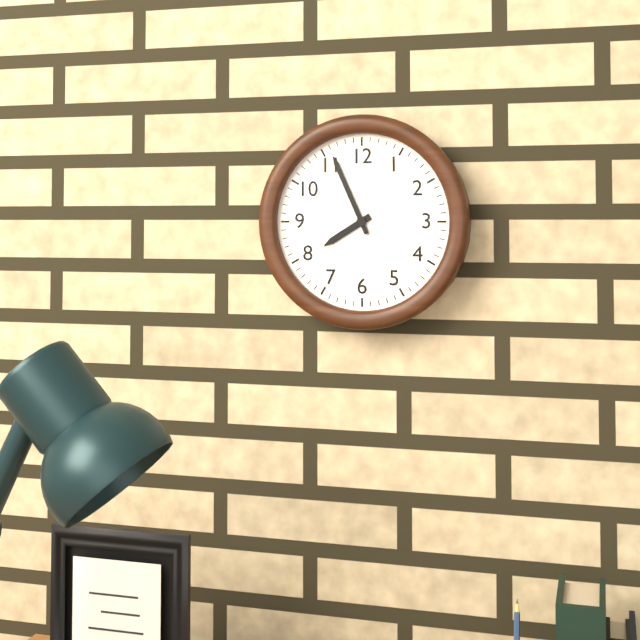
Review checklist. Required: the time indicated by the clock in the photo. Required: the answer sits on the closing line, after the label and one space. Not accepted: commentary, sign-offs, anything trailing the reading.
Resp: 7:56
